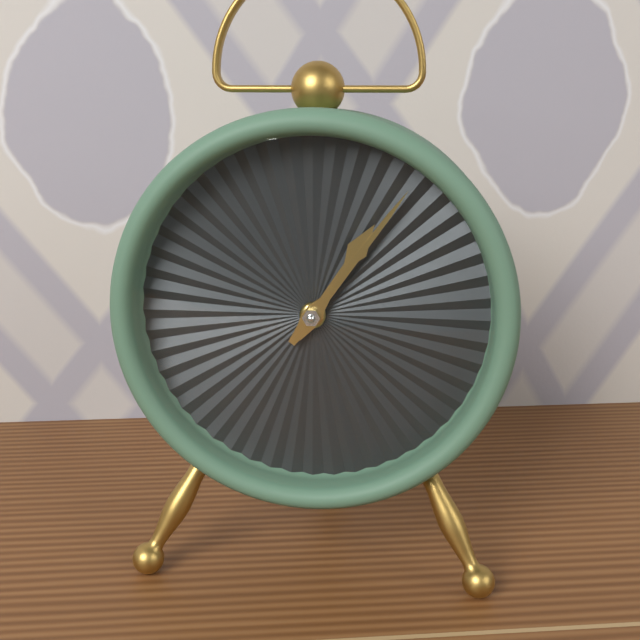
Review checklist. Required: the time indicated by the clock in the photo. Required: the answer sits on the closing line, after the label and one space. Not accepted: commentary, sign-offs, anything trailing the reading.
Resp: 1:06
